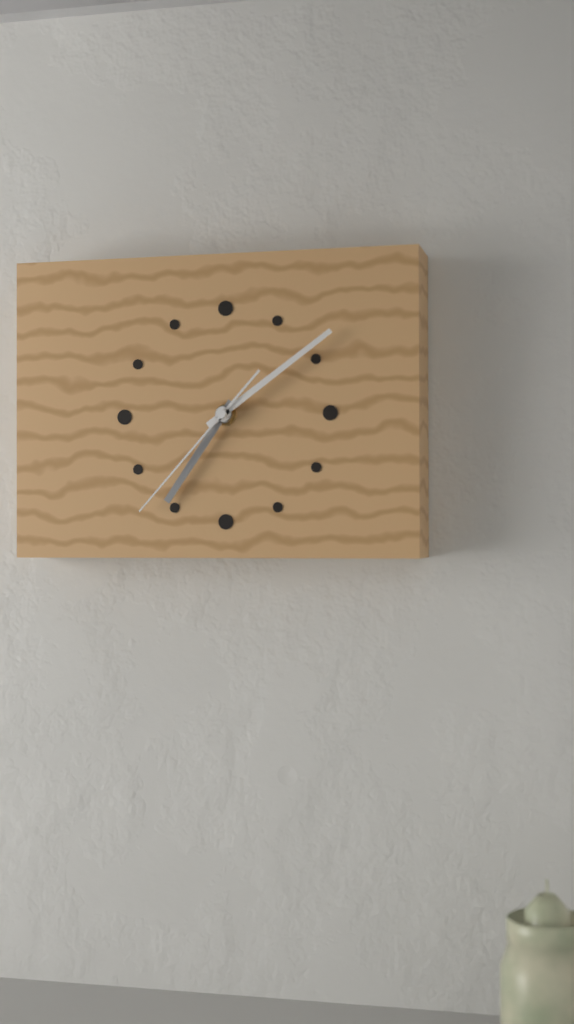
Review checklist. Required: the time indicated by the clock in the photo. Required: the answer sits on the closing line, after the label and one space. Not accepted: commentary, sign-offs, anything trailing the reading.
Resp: 7:09:37
